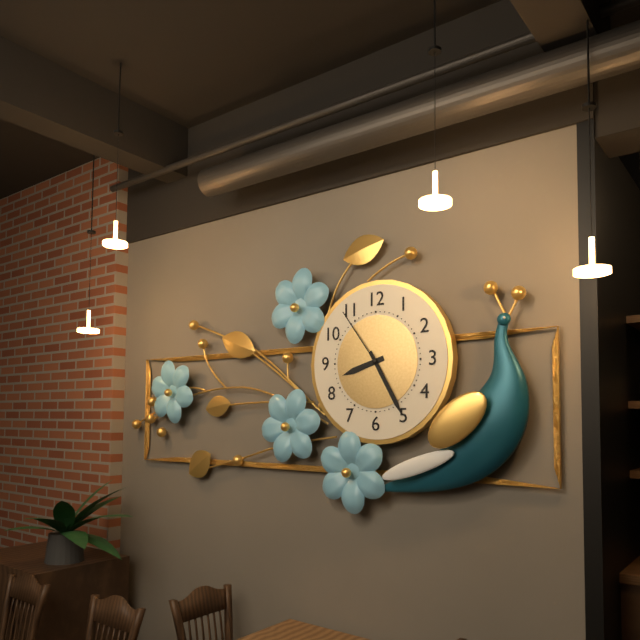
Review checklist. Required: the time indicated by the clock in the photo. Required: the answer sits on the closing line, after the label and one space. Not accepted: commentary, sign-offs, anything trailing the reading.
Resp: 8:25:54
